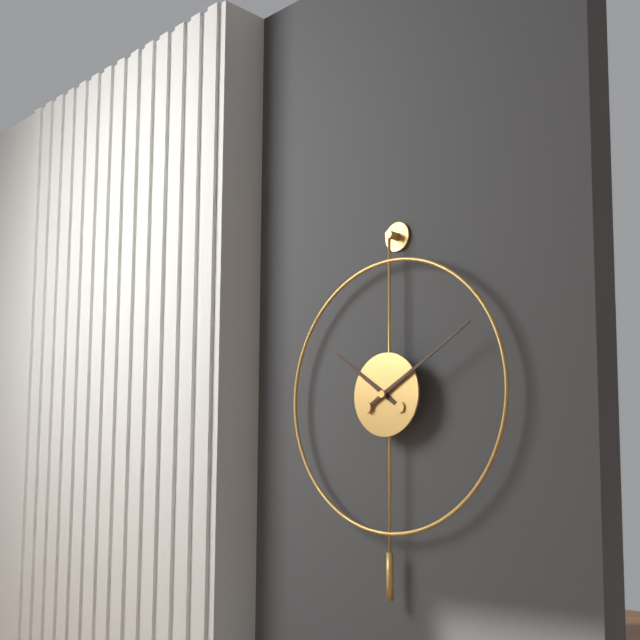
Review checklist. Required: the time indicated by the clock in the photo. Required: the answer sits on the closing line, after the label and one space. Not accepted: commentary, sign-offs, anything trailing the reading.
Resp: 10:10
